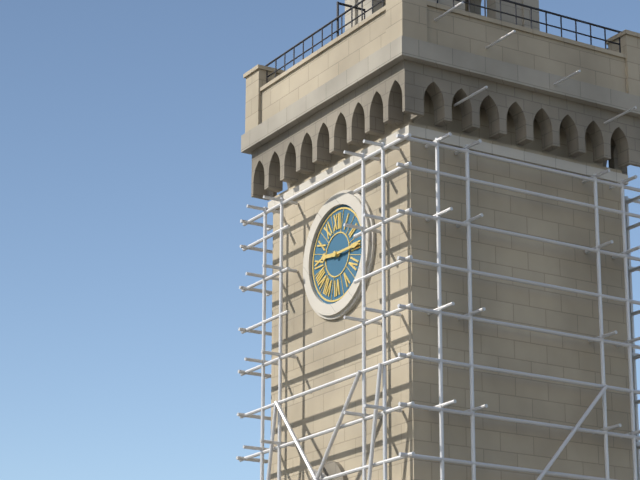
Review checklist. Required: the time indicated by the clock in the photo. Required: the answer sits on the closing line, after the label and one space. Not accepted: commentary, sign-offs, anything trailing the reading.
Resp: 9:15
